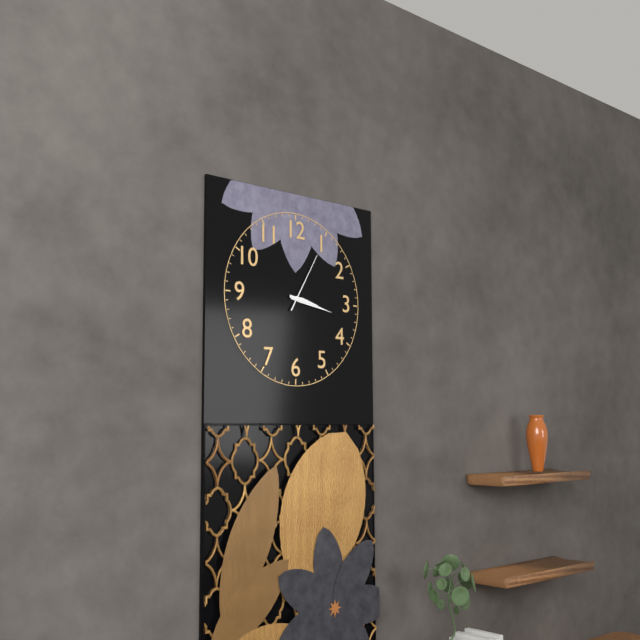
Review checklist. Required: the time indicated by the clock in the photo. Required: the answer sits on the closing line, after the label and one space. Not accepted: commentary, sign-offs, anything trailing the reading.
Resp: 3:17:05
